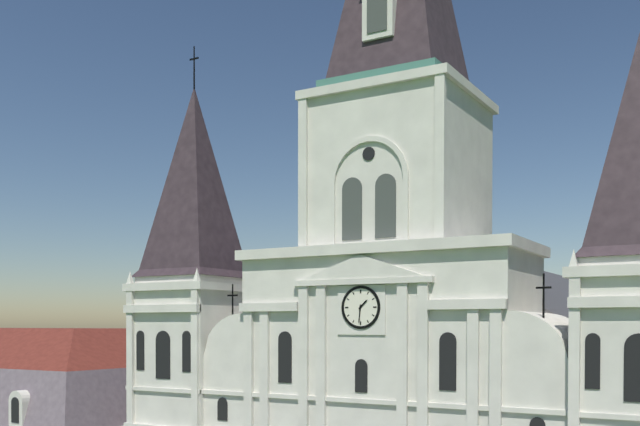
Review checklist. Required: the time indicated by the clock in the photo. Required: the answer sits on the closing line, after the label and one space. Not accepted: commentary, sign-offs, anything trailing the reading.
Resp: 1:31
